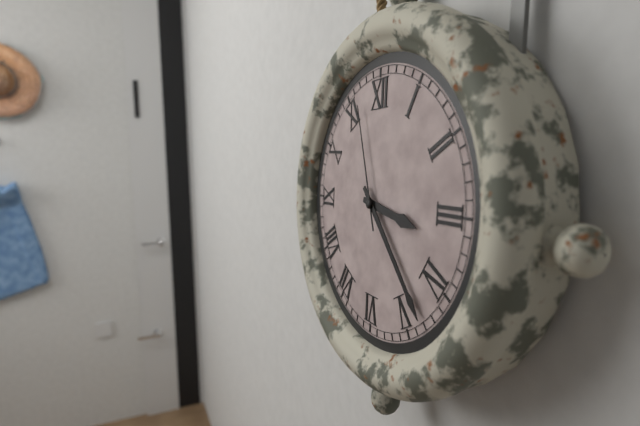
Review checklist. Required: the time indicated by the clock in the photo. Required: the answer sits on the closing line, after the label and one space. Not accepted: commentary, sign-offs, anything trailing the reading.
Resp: 3:23:57
